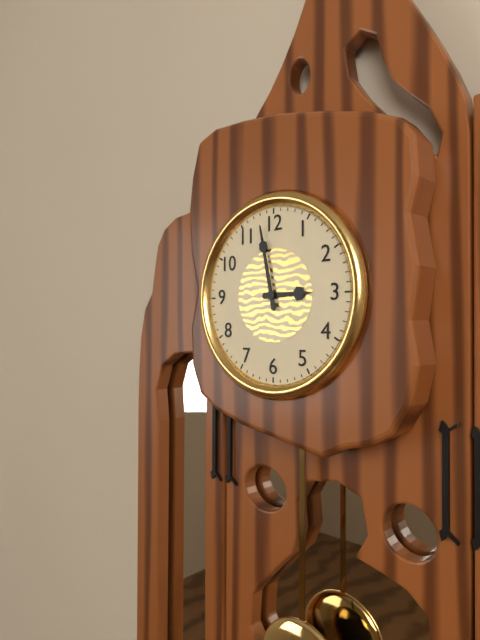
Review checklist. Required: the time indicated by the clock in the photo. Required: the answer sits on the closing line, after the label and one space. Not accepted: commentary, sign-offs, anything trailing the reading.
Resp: 2:58
